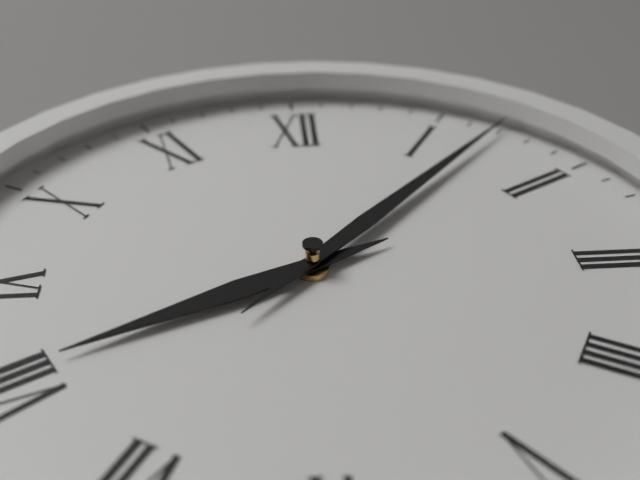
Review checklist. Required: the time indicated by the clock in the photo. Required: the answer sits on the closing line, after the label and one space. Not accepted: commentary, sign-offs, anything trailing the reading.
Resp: 8:07
